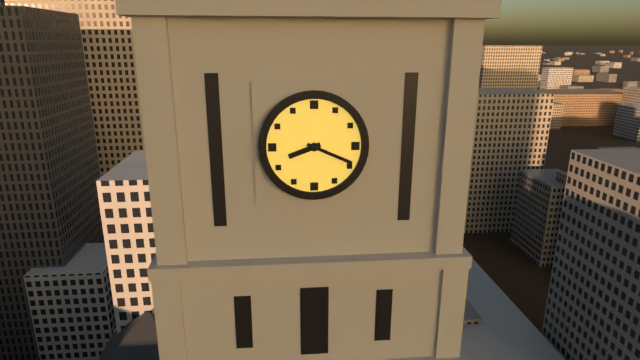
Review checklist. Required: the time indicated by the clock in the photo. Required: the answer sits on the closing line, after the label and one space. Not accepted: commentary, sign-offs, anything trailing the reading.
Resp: 8:19
